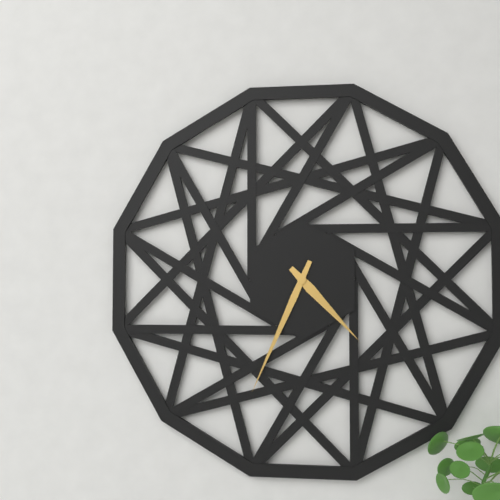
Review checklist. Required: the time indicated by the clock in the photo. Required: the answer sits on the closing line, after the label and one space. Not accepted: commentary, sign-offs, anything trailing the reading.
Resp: 4:34
